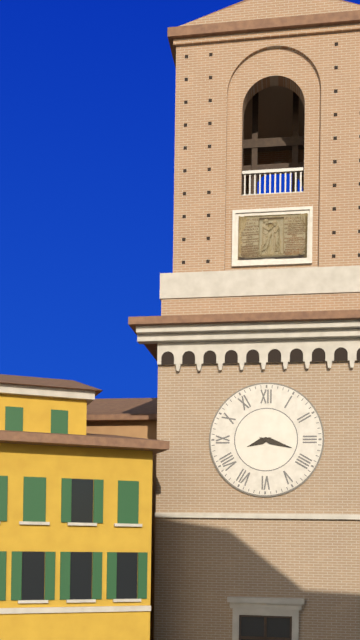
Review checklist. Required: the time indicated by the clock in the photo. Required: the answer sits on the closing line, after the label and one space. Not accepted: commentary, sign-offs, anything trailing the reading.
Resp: 8:18
